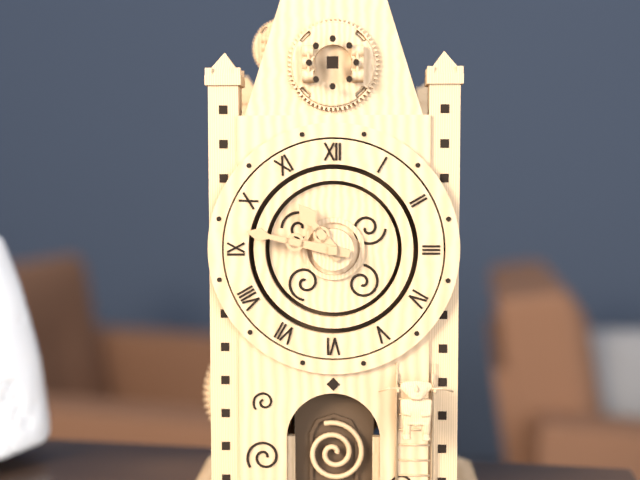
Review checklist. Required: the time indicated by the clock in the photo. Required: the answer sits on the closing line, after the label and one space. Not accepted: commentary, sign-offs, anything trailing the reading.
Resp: 10:47
